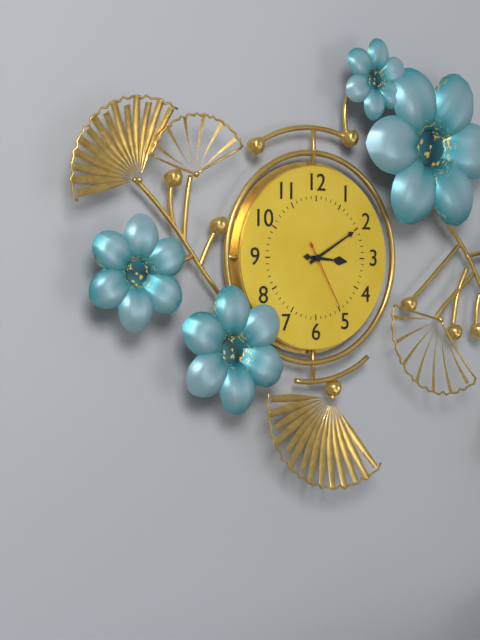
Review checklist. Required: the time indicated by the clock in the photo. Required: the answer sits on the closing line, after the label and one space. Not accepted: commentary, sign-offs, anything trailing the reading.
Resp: 3:10:25
